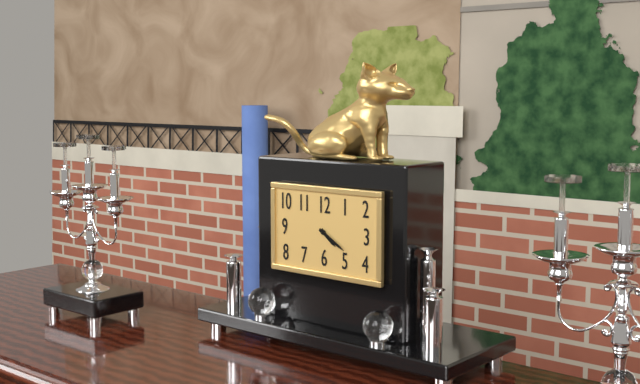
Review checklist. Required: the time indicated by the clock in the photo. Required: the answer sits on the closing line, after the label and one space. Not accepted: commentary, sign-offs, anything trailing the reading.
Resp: 4:20
